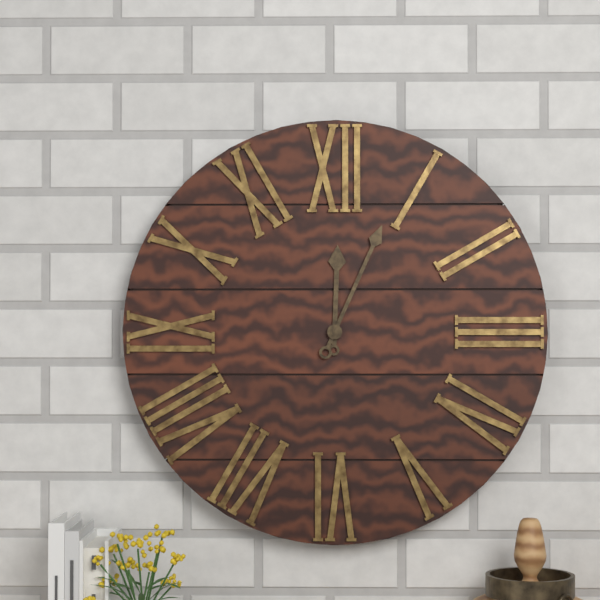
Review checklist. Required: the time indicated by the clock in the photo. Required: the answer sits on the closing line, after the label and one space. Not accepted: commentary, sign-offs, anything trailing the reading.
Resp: 12:04
